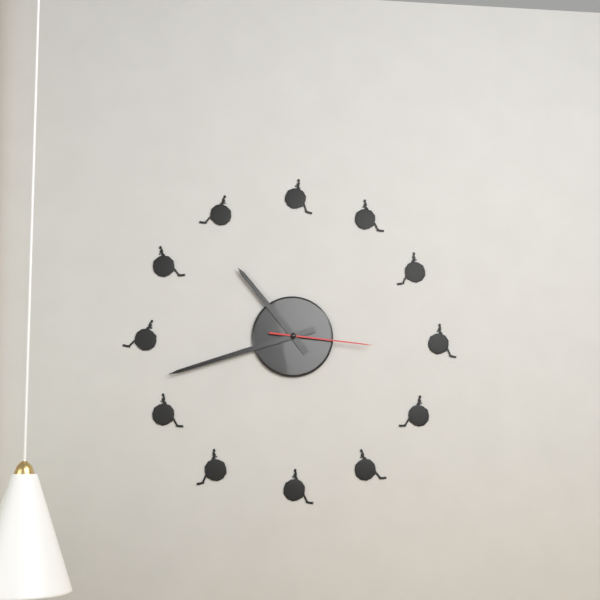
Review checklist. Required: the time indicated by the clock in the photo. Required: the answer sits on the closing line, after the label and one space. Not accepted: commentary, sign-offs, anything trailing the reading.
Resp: 10:42:16
